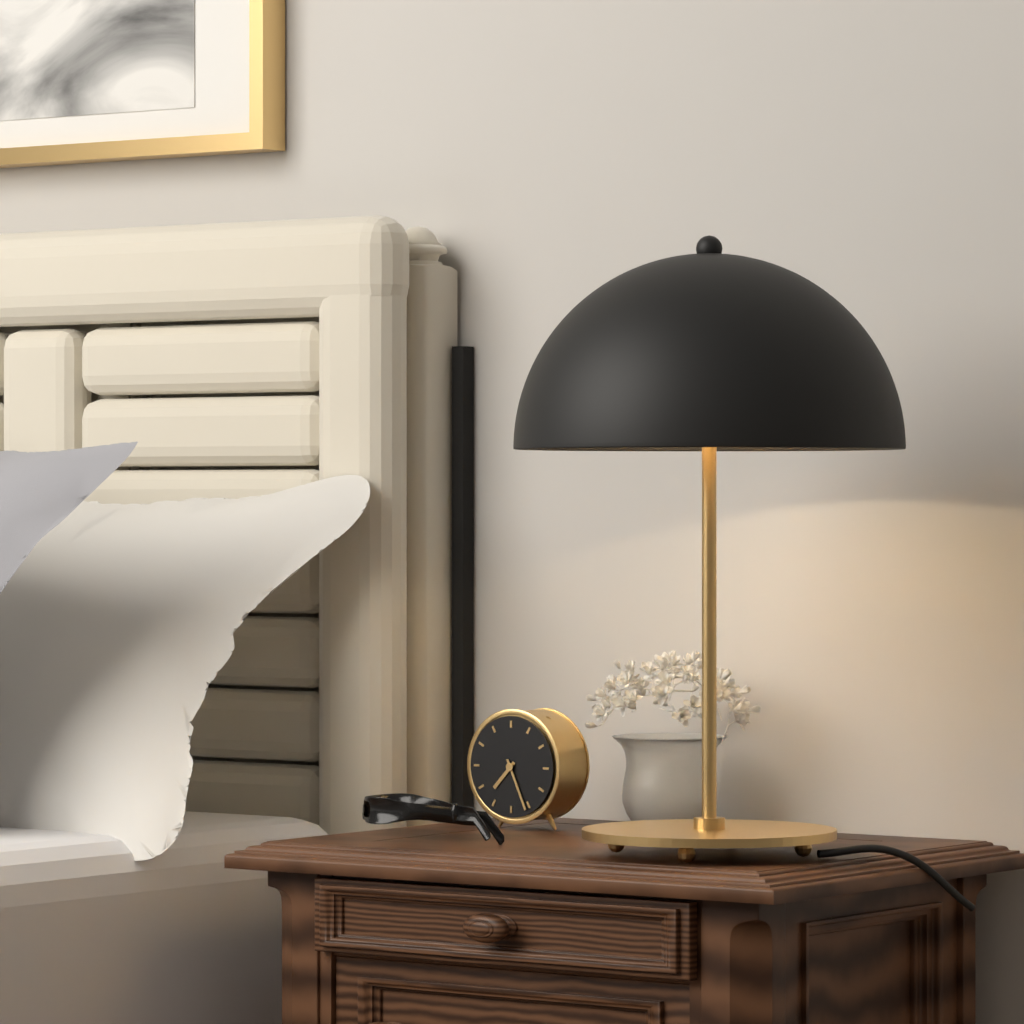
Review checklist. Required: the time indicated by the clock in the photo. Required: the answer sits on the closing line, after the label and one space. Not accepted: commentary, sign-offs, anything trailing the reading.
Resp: 7:26
